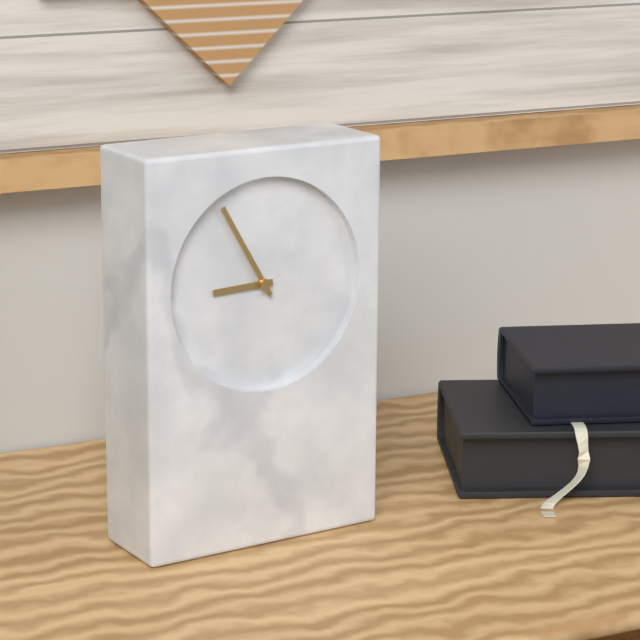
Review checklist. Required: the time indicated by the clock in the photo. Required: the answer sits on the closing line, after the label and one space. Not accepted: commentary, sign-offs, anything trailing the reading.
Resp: 8:55
